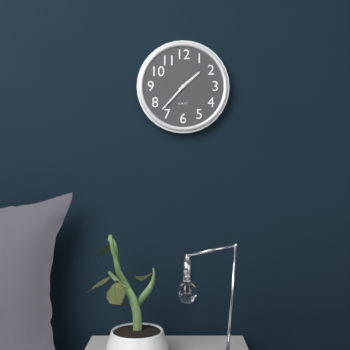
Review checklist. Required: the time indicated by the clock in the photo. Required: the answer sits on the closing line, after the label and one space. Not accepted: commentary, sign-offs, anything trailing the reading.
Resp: 1:37
